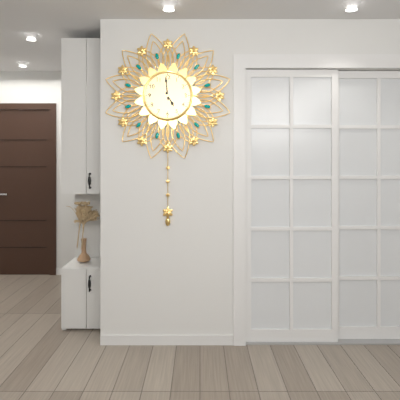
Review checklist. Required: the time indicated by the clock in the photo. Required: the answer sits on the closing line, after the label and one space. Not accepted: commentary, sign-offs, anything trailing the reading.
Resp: 4:59
